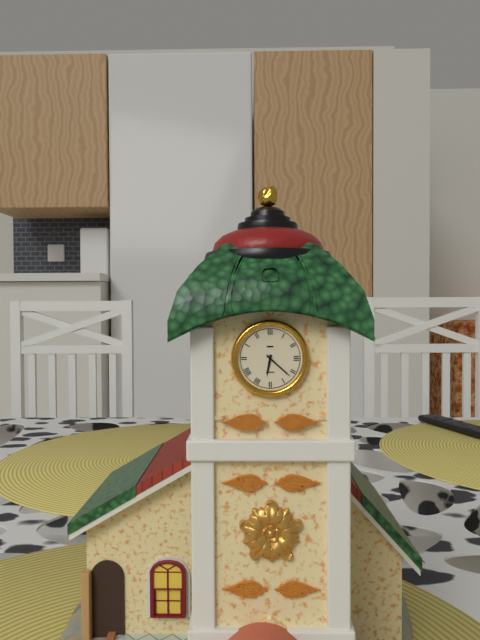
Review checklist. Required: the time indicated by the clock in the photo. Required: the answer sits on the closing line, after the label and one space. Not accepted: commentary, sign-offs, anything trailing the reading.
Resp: 6:22
